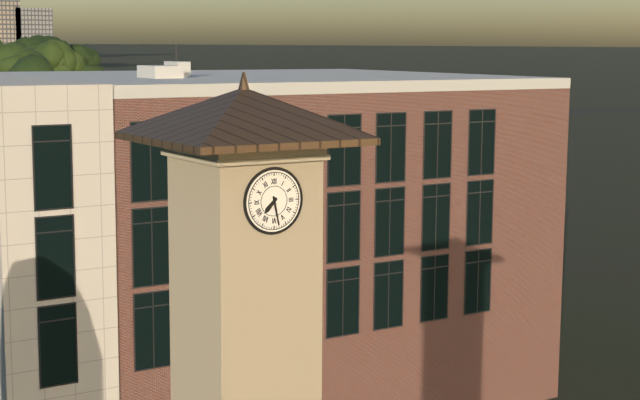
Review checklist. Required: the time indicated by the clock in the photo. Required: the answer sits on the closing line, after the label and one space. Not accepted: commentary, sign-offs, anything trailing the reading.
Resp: 7:28
